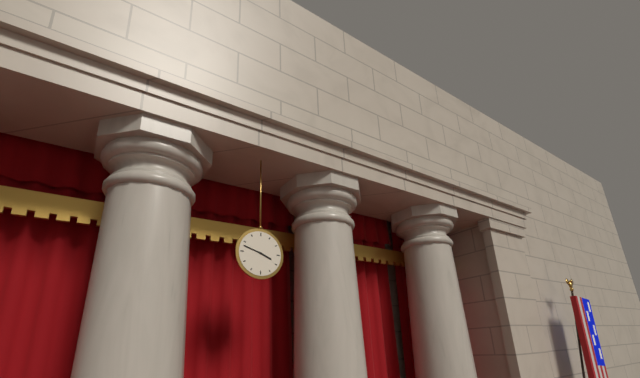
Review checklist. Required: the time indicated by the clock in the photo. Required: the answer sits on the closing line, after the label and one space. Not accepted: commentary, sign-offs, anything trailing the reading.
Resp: 3:48
